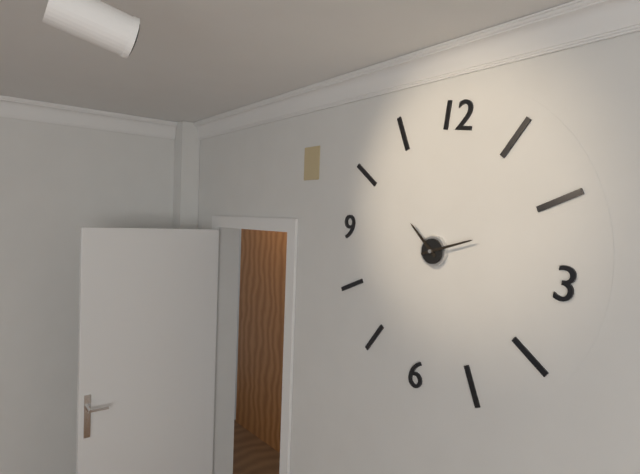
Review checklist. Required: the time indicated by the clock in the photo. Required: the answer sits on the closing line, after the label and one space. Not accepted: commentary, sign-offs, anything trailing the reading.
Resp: 10:11
